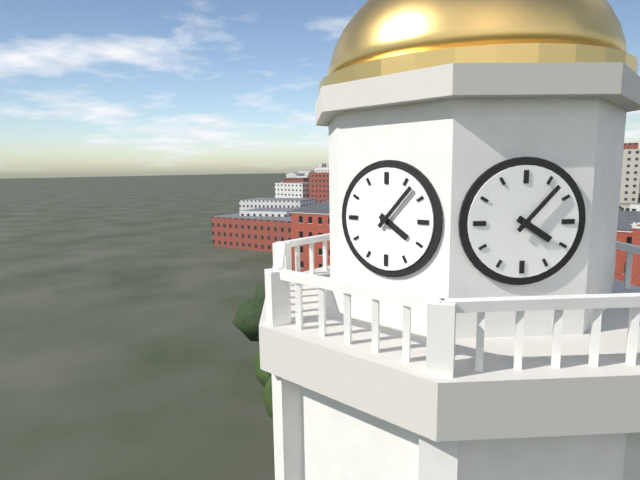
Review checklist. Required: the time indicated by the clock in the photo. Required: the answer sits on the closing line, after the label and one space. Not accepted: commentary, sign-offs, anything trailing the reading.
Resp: 4:07
